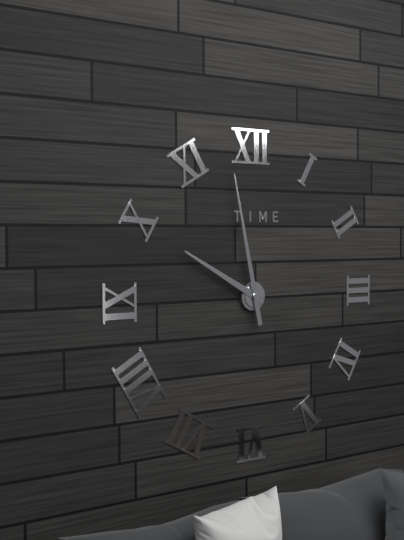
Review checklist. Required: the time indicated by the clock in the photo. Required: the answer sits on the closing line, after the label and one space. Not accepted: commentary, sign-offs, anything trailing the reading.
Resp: 9:58
